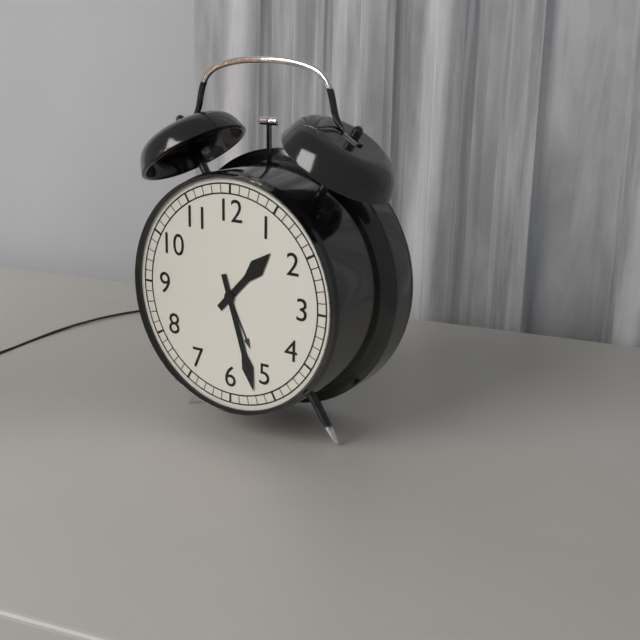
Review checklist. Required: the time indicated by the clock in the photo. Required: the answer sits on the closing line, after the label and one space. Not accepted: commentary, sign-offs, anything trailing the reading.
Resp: 1:27
